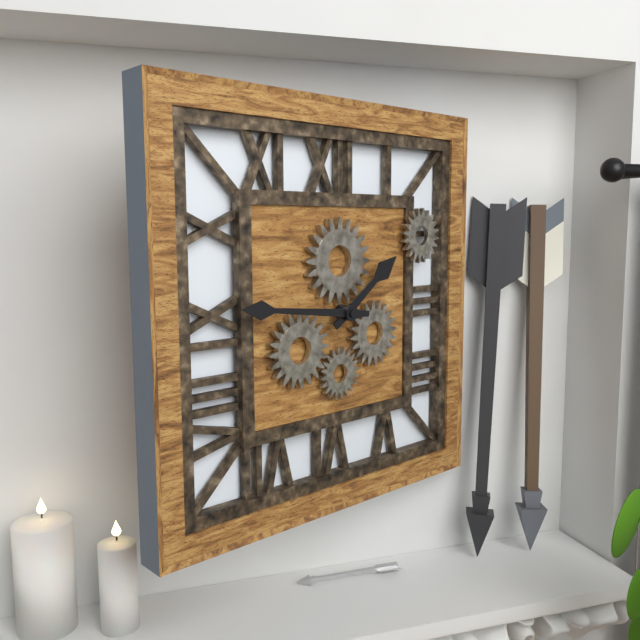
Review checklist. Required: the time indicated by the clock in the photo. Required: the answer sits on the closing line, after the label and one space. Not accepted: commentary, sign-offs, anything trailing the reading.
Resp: 1:46
